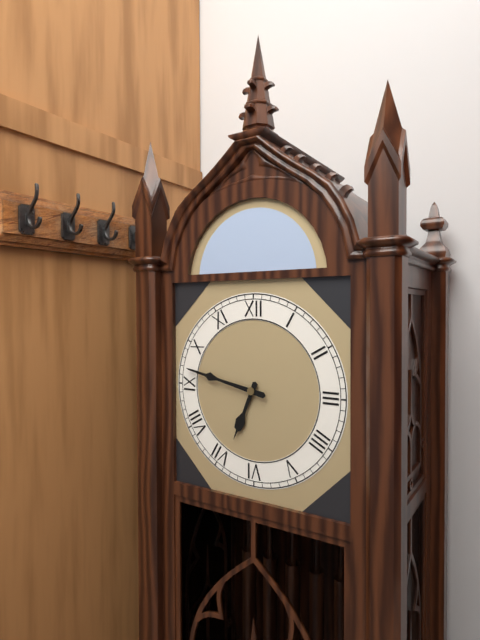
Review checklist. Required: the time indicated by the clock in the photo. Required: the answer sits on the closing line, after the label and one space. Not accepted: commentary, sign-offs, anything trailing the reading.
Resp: 6:47
